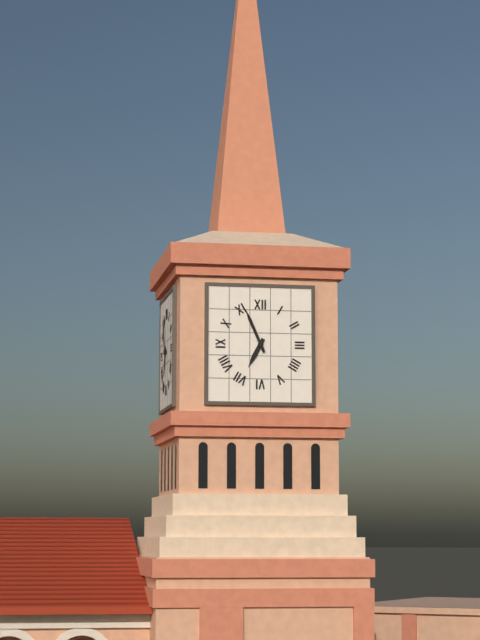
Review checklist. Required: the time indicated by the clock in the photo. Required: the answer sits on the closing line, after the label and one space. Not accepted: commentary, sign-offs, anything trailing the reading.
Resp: 6:56
